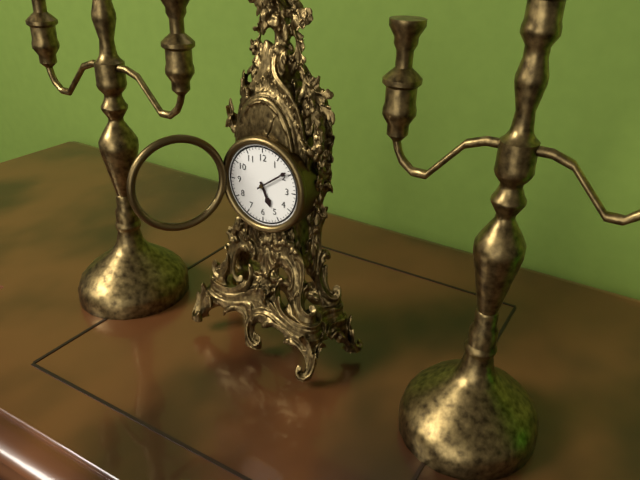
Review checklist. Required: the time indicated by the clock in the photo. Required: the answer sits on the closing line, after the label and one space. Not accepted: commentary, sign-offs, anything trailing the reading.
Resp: 5:09
